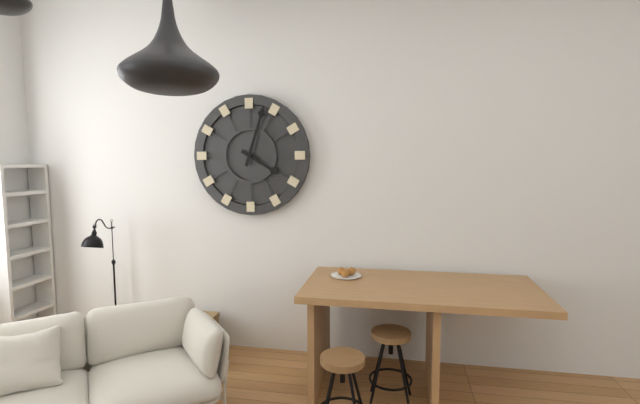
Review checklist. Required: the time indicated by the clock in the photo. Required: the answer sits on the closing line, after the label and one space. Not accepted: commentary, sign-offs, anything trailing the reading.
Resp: 4:03
